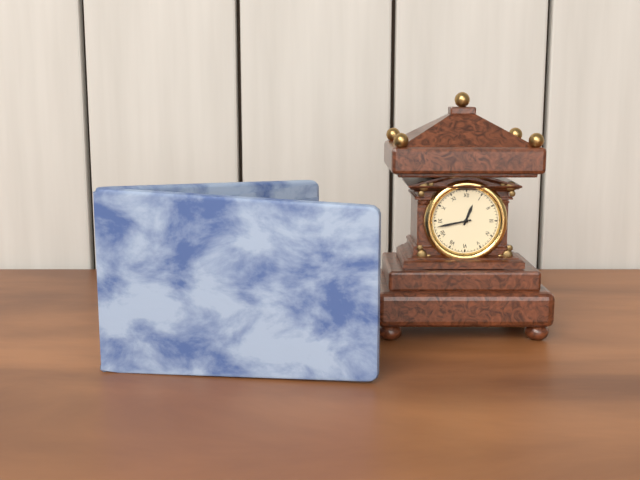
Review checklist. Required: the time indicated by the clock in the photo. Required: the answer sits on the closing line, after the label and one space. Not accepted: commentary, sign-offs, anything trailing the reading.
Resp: 12:43
